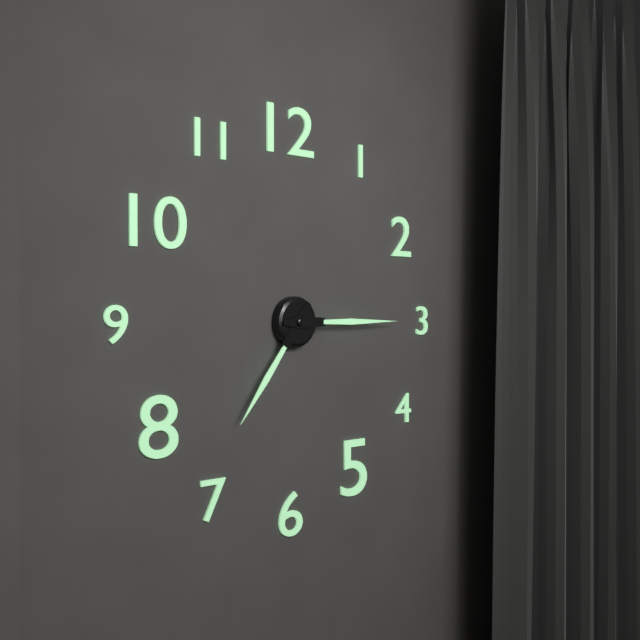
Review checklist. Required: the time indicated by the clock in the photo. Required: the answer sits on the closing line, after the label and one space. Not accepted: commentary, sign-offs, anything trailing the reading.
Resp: 7:15
